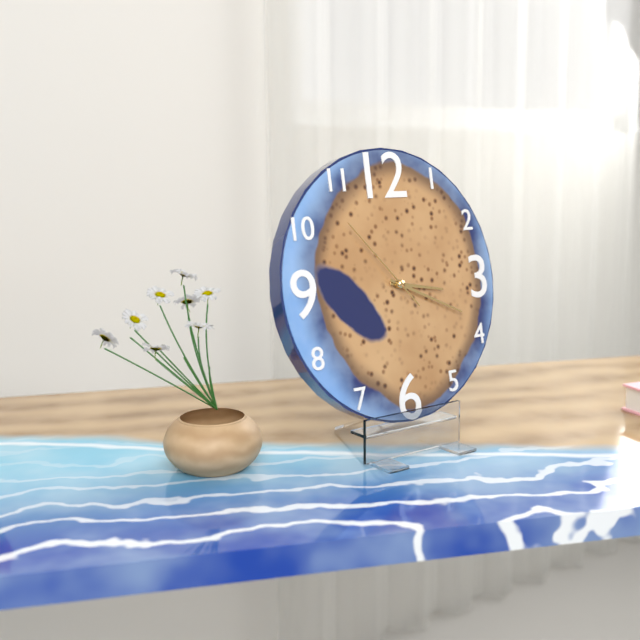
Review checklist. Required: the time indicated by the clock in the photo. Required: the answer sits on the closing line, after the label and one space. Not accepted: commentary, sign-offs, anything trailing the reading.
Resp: 3:19:53
